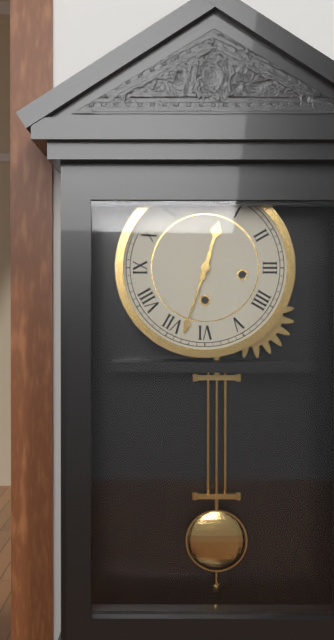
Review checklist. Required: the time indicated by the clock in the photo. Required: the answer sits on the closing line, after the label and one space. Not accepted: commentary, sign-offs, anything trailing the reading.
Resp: 12:33
